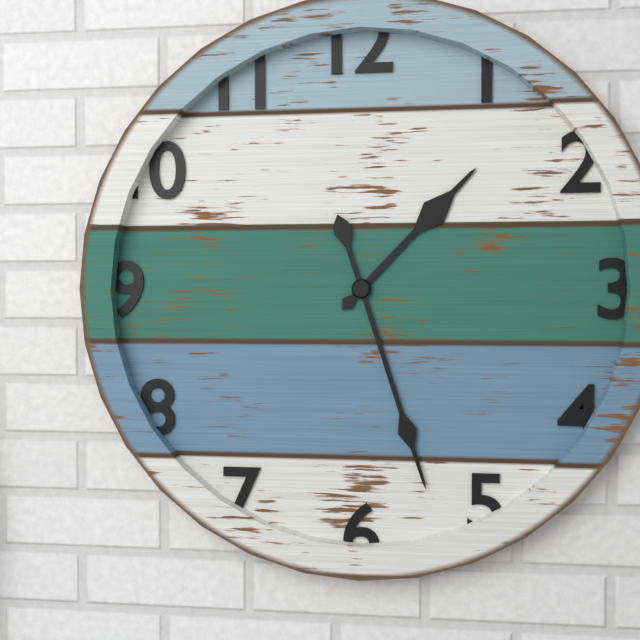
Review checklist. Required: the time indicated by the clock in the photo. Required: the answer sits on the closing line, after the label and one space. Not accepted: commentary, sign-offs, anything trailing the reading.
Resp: 1:27
